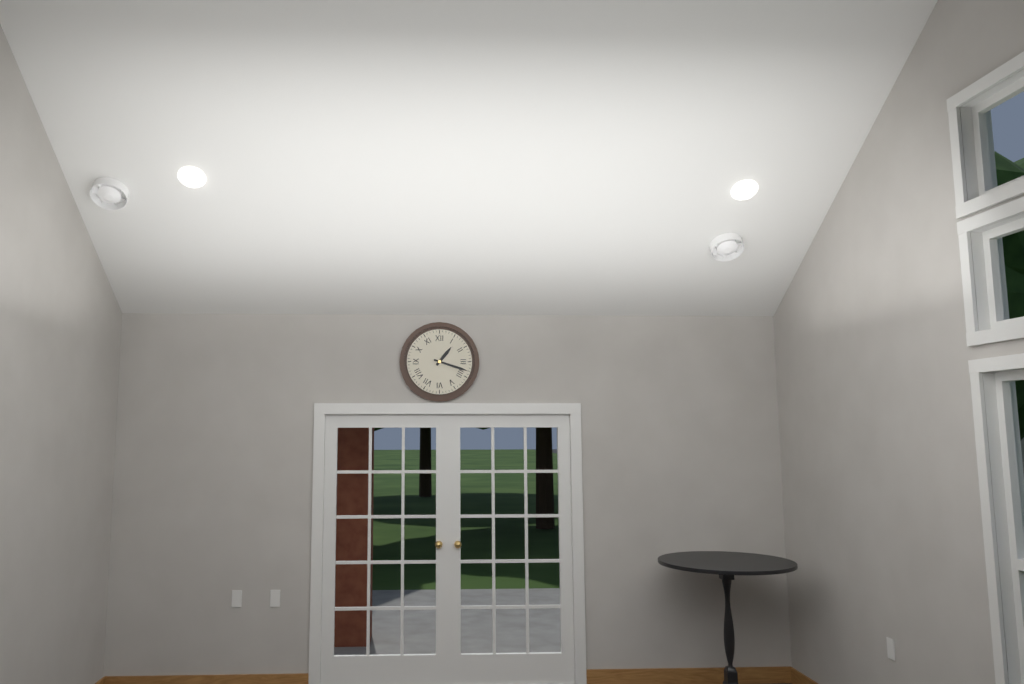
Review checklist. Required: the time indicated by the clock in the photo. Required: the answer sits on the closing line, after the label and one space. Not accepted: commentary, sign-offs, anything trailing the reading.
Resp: 1:18
